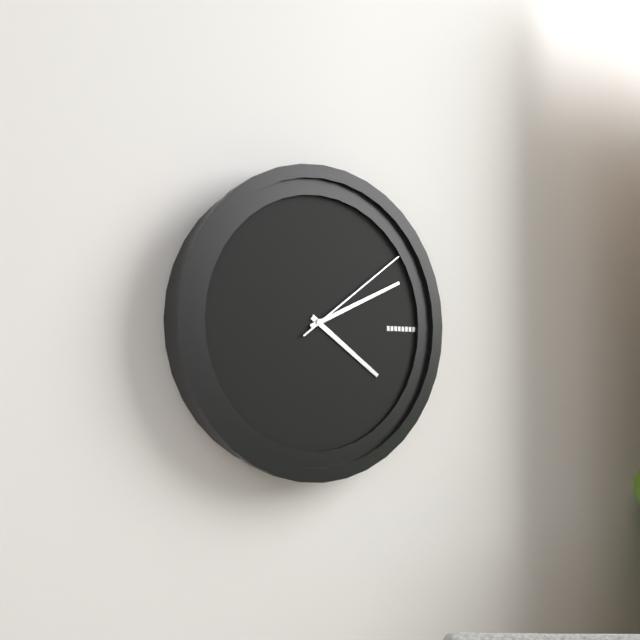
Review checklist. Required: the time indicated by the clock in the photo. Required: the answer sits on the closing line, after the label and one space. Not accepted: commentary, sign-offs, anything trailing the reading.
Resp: 4:11:09
